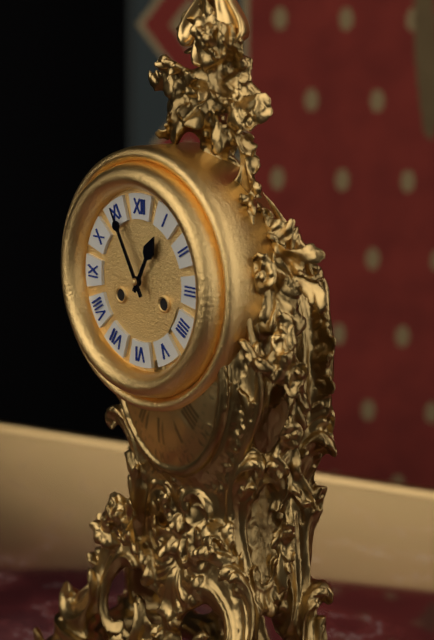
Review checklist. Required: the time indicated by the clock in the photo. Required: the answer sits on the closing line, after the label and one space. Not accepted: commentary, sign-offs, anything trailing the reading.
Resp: 12:55
